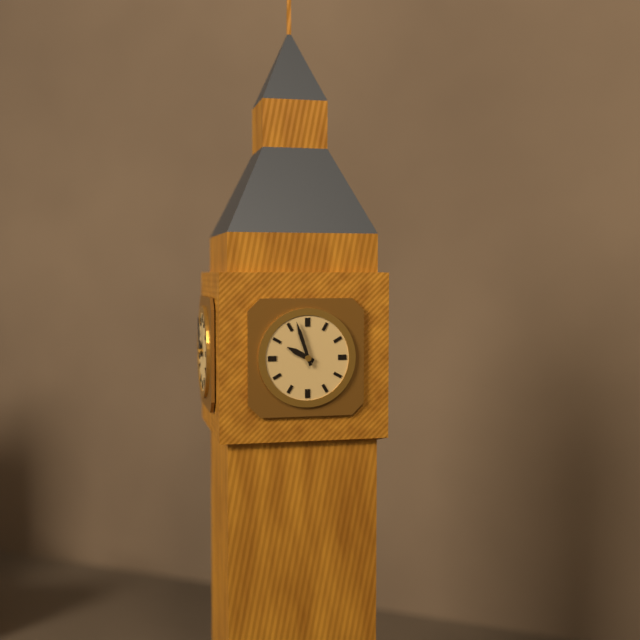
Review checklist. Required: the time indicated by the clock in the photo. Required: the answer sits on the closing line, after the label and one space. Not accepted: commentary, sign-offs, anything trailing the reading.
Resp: 9:57
